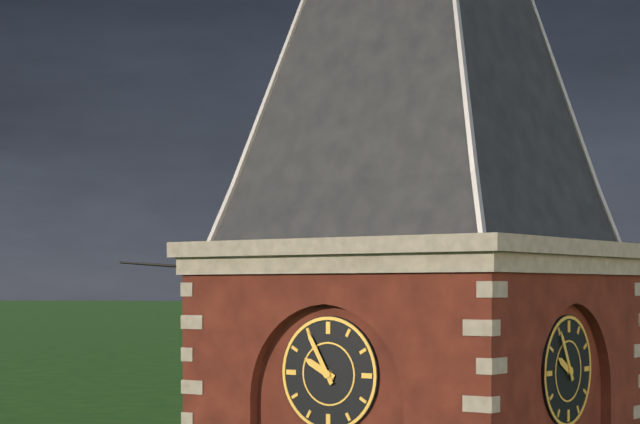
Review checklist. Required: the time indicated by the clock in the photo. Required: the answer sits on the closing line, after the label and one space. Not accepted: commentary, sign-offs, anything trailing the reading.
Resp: 9:55
